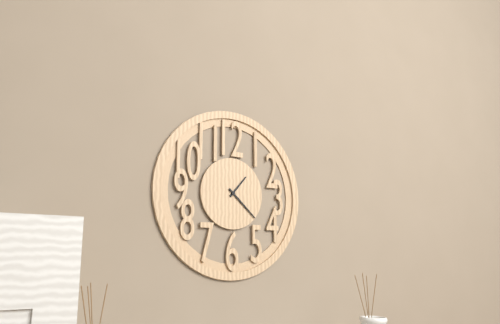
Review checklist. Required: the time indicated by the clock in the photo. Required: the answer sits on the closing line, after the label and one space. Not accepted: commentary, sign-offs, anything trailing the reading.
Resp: 1:22
